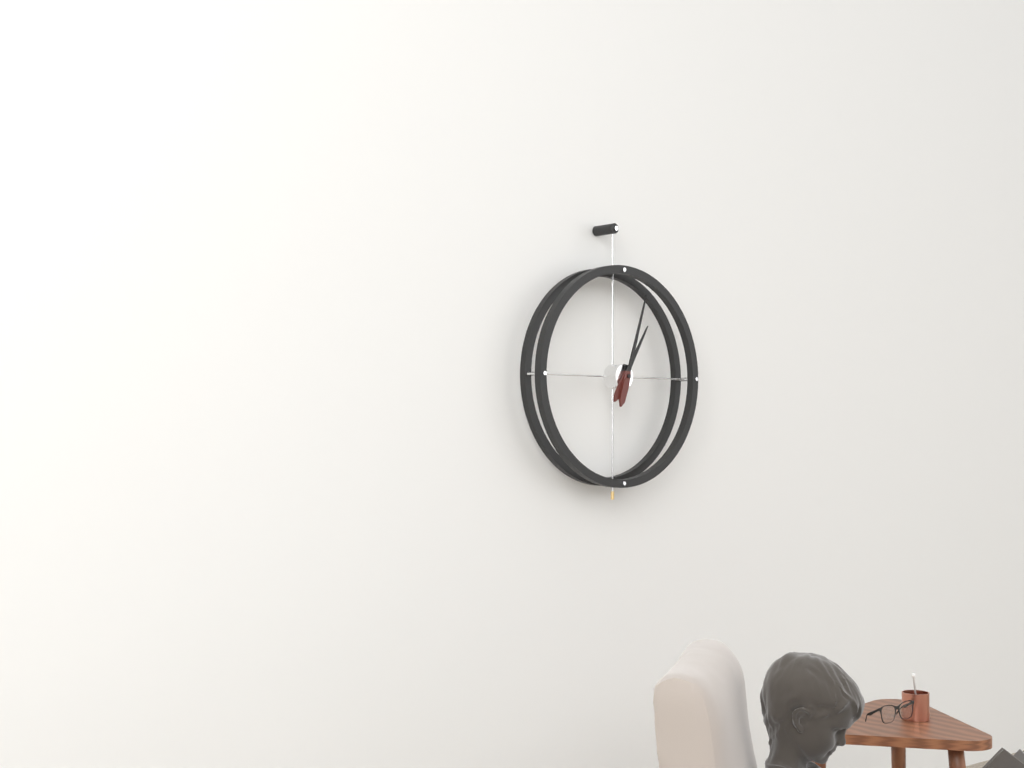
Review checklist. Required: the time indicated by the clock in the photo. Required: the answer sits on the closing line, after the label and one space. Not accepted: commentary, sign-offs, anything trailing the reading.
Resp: 1:03
